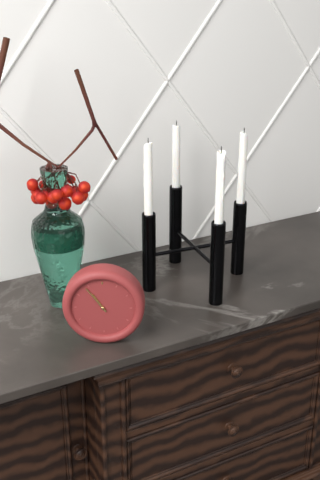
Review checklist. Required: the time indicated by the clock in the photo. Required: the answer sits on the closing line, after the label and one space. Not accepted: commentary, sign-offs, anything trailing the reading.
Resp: 10:54
